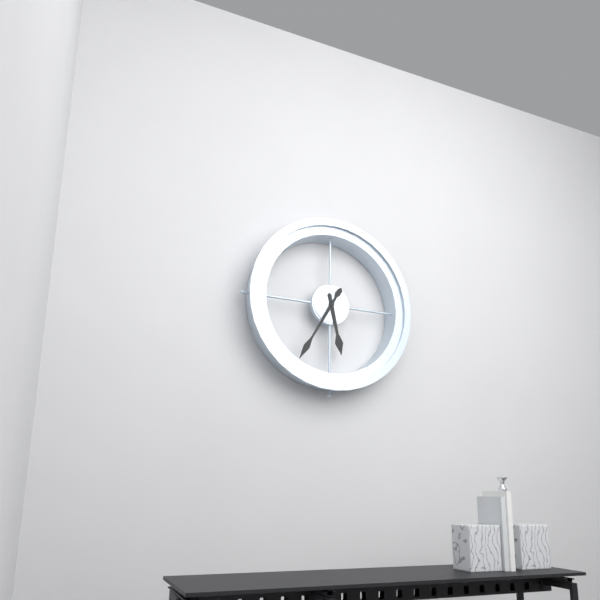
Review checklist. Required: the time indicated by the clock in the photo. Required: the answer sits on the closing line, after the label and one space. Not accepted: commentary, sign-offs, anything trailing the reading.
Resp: 5:35
